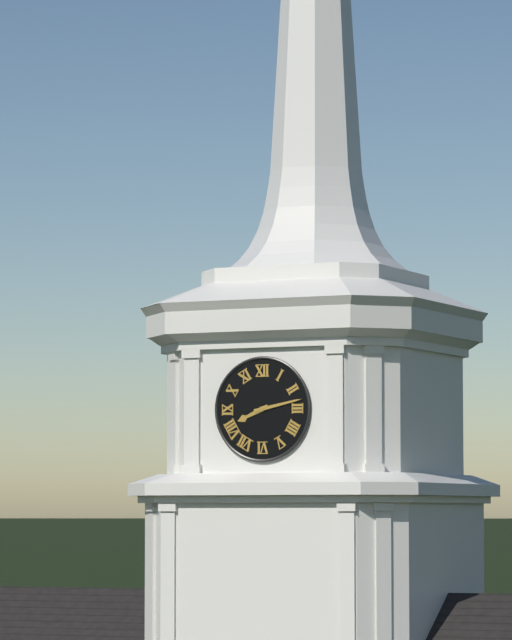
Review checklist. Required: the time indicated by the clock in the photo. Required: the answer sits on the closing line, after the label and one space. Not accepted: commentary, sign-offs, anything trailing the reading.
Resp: 8:13
